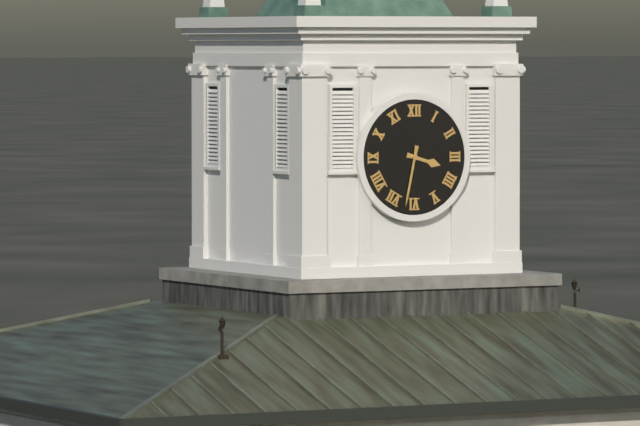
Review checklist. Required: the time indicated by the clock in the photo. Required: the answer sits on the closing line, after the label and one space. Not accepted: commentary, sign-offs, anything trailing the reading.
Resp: 3:32
